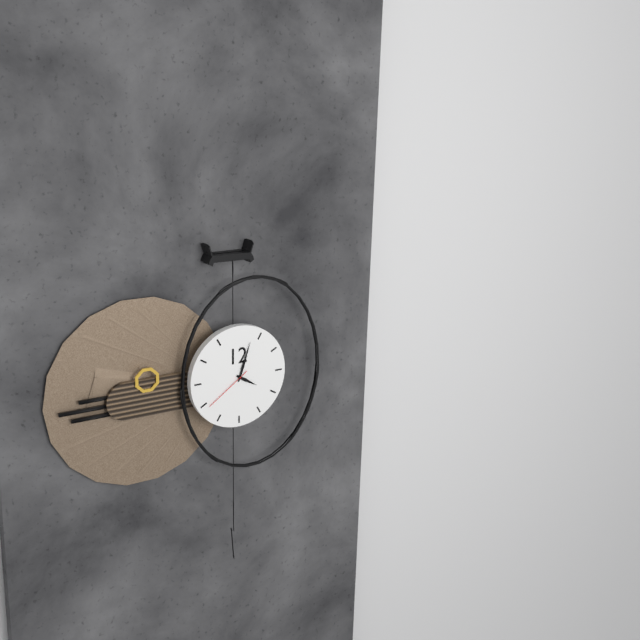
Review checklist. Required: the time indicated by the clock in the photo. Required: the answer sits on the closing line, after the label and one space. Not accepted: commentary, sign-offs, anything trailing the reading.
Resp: 4:03:39
